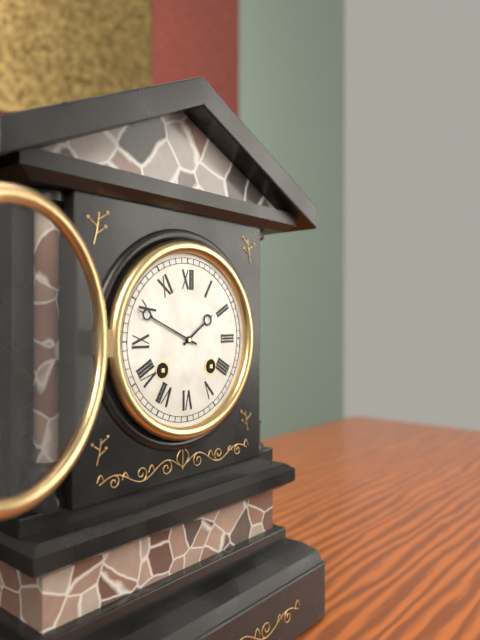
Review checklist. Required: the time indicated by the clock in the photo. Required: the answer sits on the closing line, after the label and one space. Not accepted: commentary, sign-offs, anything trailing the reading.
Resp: 1:49
